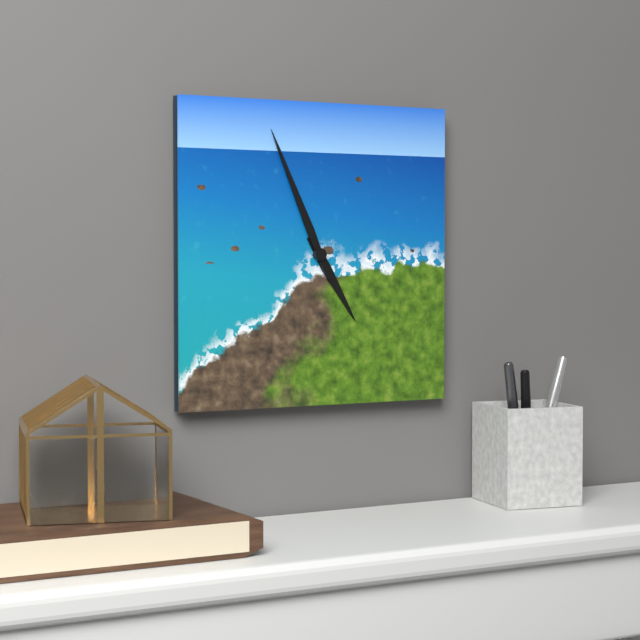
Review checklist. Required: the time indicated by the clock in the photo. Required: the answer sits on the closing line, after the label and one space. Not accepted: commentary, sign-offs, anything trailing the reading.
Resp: 4:56
